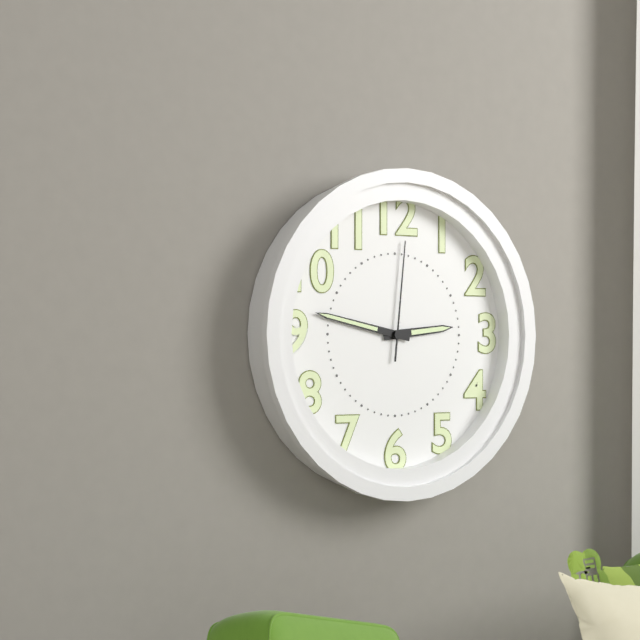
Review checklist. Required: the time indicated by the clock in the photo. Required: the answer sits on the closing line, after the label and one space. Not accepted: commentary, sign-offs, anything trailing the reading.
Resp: 2:47:01
